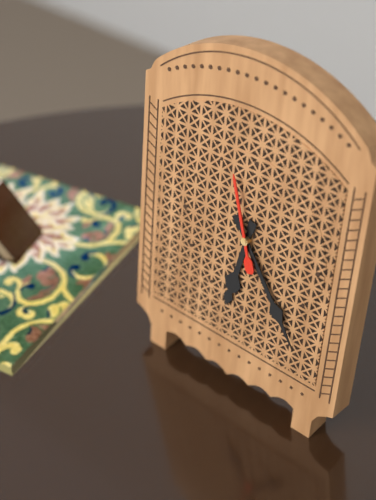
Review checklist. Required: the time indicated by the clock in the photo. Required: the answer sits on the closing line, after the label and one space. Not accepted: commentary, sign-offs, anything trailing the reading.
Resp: 6:24:57
